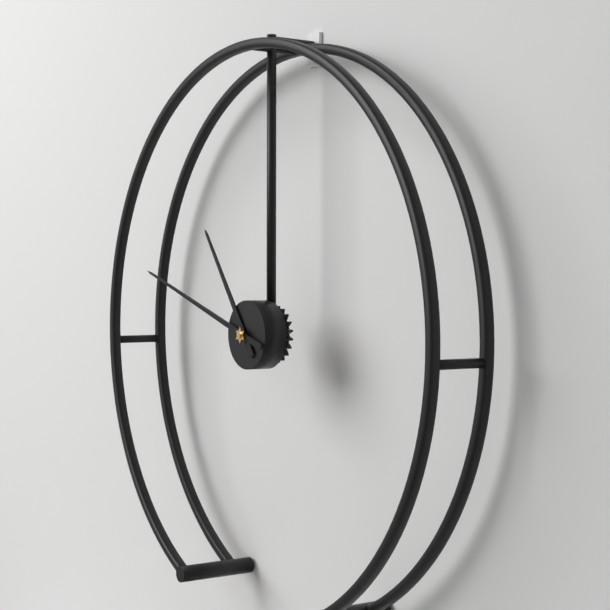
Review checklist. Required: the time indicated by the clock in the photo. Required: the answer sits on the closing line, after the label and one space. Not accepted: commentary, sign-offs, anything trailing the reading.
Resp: 10:48
